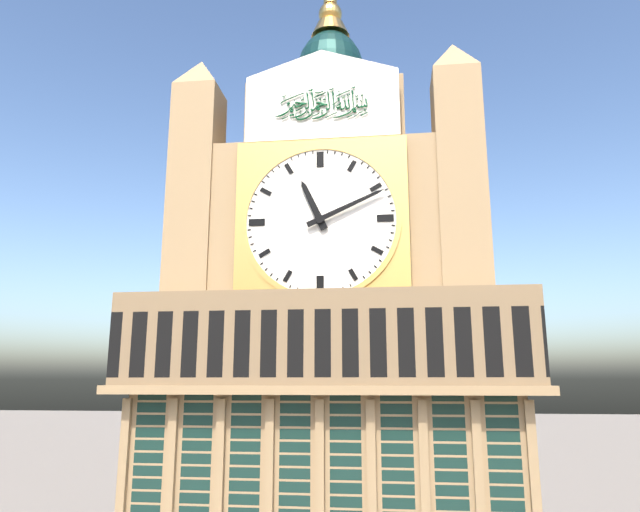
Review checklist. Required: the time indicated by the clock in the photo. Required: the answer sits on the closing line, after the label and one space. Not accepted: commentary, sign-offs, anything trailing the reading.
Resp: 11:11
